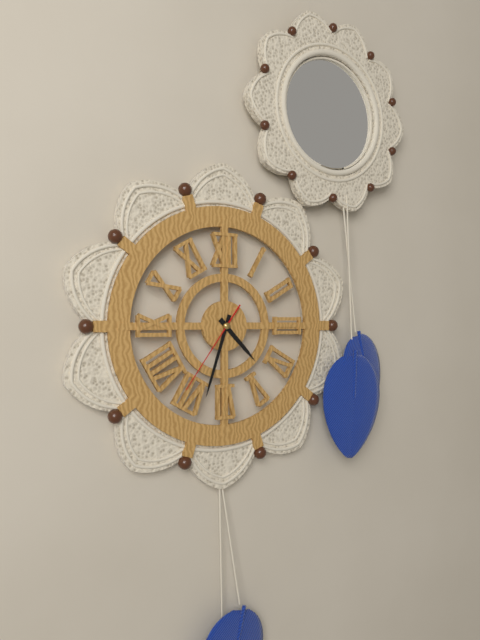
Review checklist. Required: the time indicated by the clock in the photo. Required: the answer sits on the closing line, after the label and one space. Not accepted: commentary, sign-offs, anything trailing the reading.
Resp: 4:33:36
